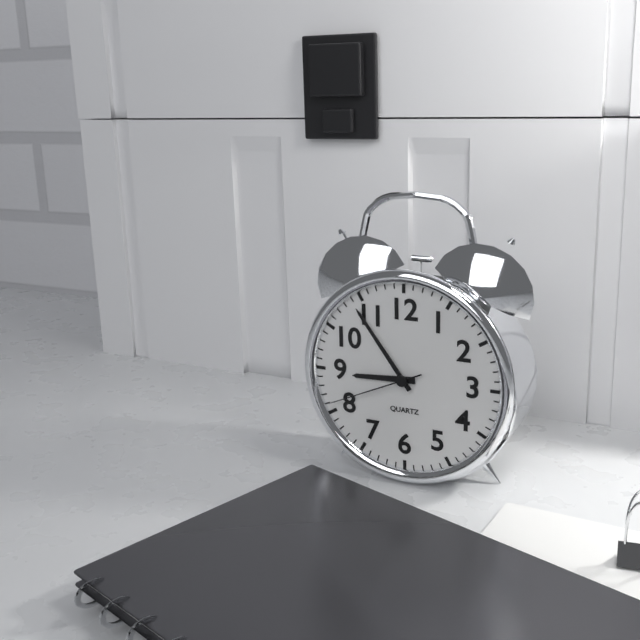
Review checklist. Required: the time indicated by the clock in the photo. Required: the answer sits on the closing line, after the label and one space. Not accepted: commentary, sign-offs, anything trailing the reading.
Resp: 8:54:41
